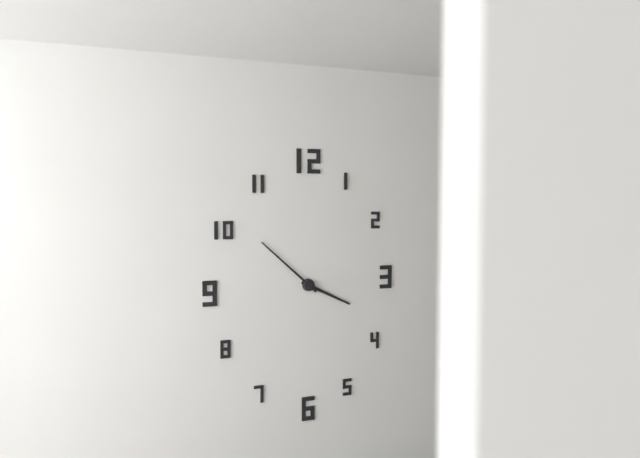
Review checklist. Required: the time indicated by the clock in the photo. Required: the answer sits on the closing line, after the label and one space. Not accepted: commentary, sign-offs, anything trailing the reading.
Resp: 3:52
